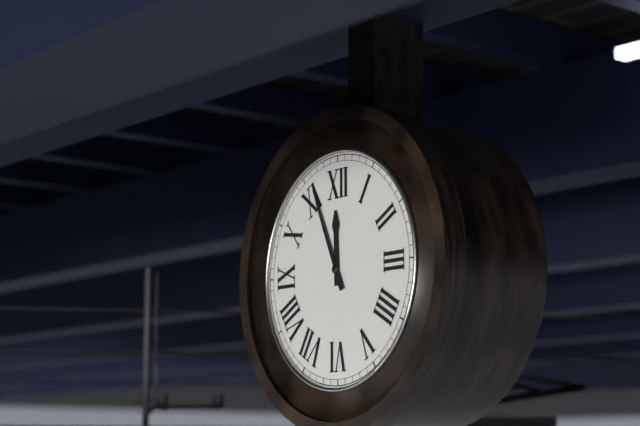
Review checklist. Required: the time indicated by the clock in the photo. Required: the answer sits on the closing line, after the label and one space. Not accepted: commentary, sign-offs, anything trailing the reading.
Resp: 11:56
